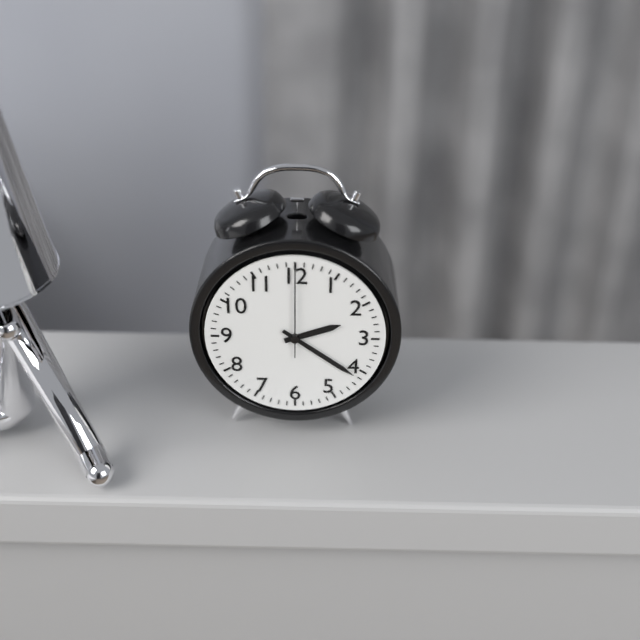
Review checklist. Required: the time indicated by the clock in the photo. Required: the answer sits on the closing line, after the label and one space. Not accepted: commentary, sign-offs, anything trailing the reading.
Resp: 2:21:00
